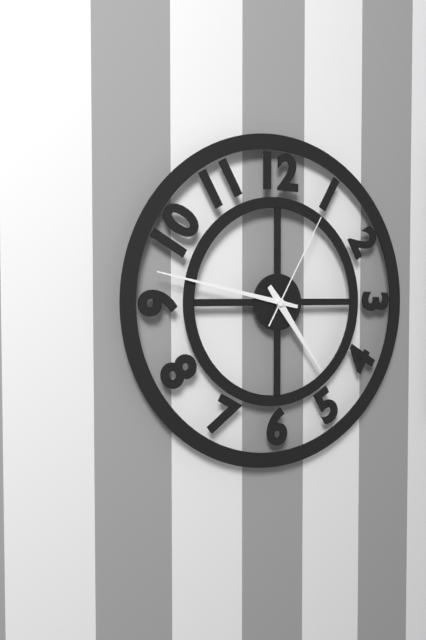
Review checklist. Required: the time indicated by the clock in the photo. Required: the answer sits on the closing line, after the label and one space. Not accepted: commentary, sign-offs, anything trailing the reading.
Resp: 4:47:05
